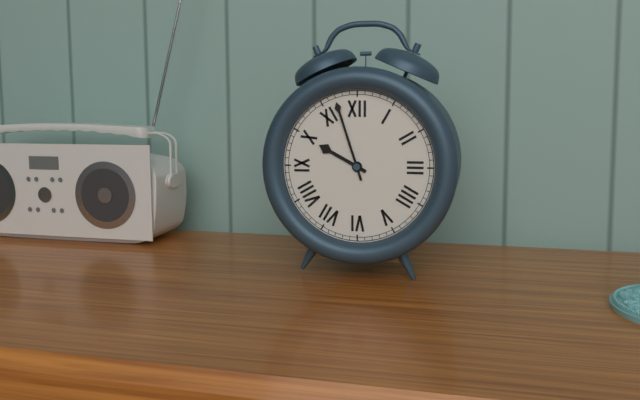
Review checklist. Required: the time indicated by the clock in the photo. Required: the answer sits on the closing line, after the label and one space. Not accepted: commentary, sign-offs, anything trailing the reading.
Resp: 9:57
